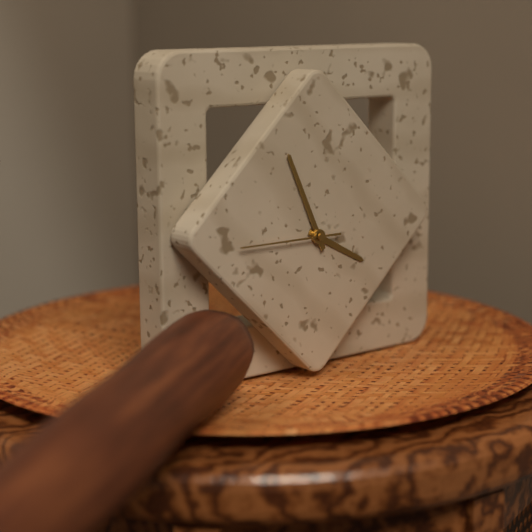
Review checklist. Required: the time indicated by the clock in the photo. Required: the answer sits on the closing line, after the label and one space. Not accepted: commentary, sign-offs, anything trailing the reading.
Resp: 3:56:45
